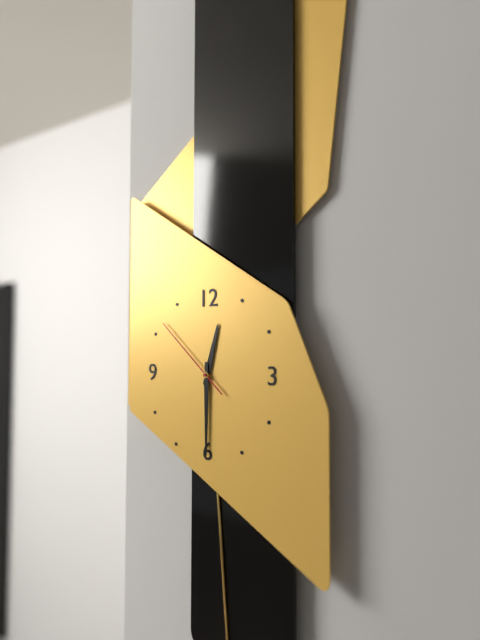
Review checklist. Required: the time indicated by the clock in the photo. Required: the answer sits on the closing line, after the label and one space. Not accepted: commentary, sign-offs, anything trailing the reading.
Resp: 12:30:52
